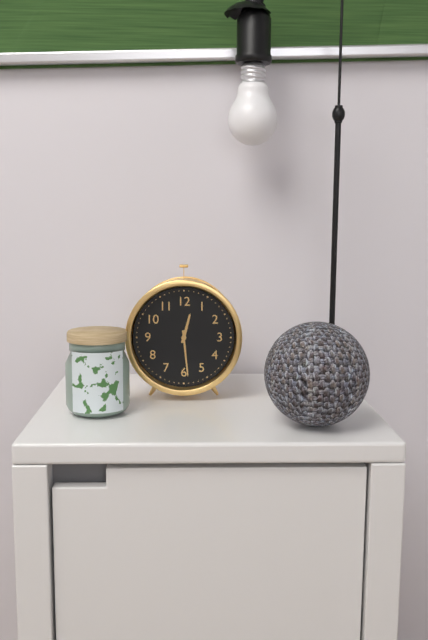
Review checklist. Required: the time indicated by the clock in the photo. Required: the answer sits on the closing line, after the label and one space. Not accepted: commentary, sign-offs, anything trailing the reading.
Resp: 12:29
